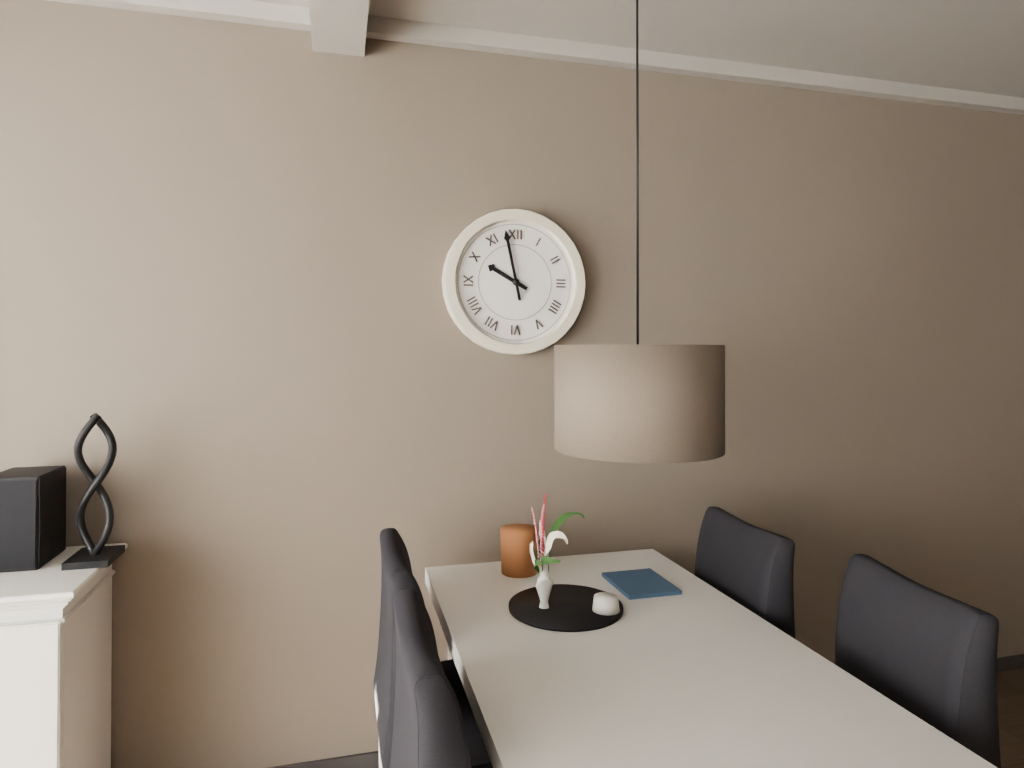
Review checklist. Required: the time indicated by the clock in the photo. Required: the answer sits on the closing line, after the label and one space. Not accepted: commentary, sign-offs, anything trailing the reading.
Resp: 9:58
